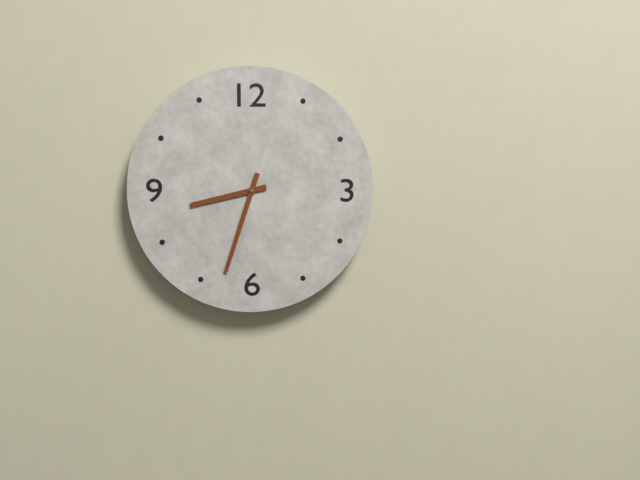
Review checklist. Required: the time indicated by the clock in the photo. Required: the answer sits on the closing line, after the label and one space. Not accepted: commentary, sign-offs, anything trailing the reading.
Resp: 8:33
